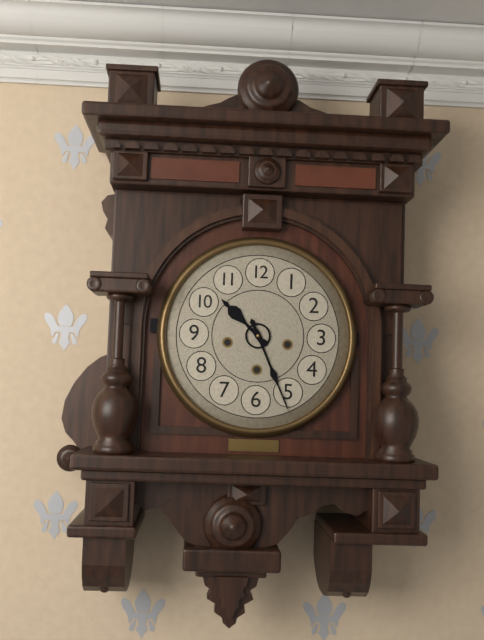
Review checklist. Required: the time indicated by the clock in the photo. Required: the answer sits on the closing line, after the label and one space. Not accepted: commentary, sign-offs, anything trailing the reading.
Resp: 10:26
